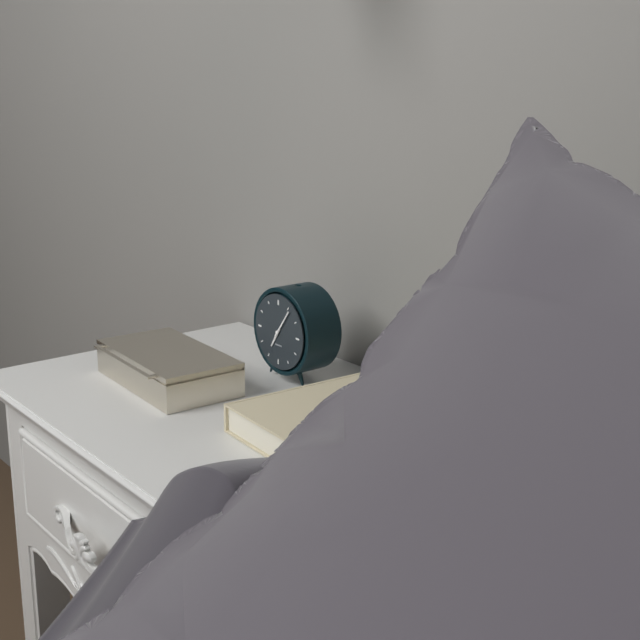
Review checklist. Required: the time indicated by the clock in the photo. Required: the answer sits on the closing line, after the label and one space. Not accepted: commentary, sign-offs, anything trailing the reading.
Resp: 7:06
